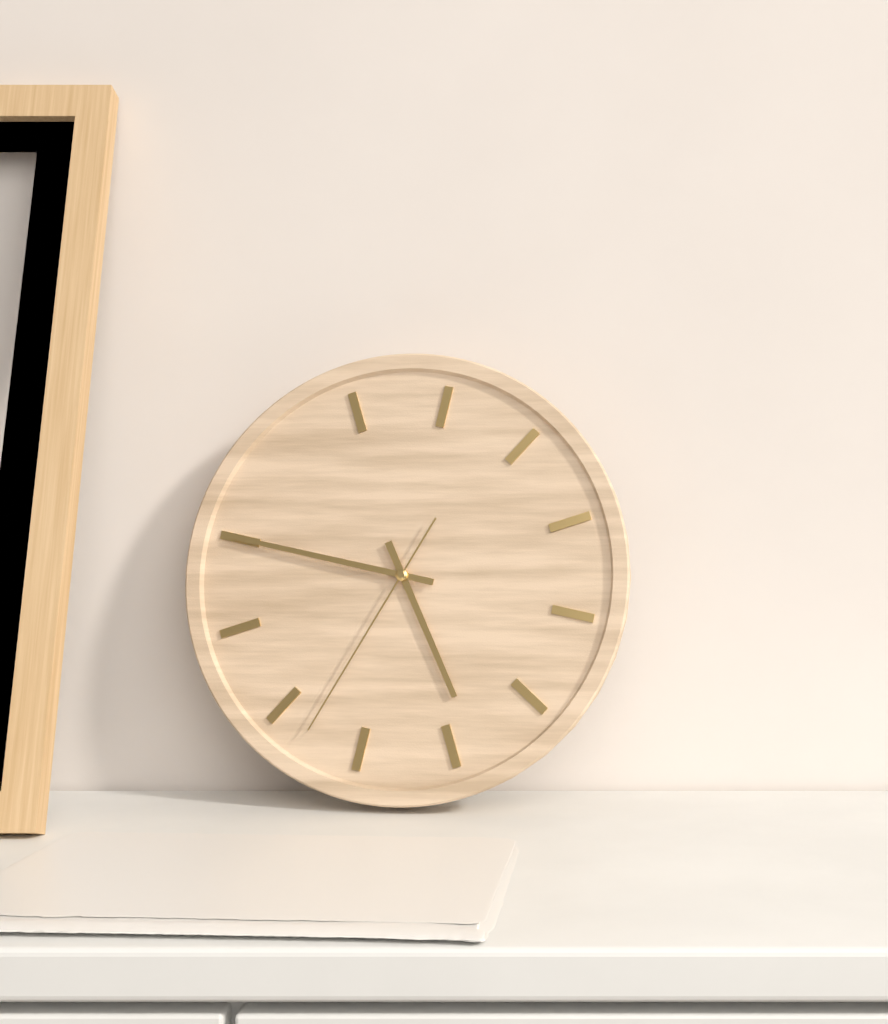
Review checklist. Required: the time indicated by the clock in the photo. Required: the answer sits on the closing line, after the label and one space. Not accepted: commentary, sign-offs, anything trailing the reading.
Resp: 4:45:33
